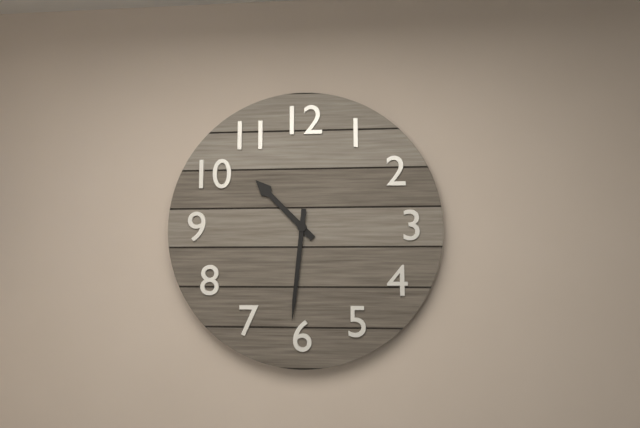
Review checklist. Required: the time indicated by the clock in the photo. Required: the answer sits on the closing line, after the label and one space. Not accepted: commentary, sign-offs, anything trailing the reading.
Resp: 10:31
